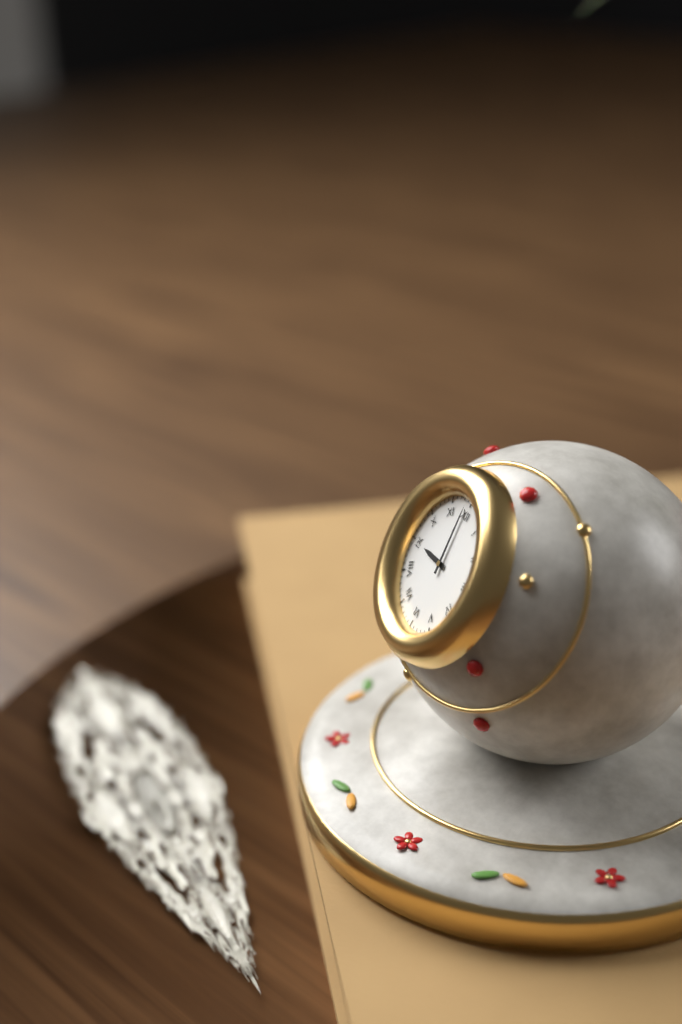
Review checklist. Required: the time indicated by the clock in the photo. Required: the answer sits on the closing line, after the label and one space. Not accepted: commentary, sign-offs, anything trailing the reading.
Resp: 8:59
